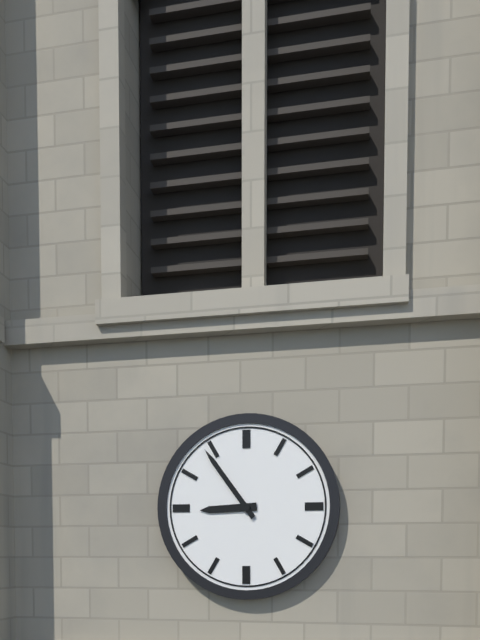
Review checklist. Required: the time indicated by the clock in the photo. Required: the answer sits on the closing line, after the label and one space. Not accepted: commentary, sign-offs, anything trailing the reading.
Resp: 8:54
